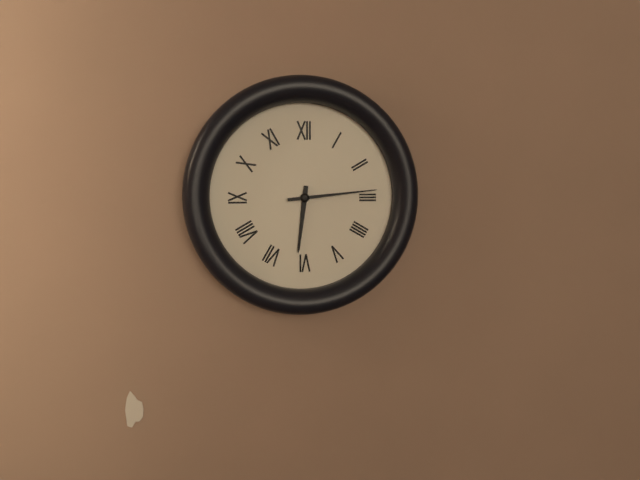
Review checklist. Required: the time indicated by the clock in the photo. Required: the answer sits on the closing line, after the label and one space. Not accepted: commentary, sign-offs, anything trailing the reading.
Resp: 6:14
